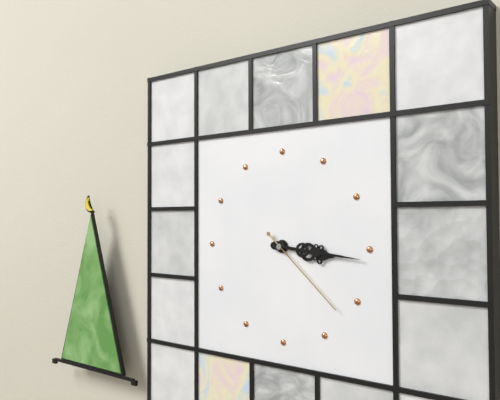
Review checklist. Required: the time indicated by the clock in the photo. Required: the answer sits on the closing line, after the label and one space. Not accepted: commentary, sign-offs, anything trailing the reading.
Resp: 3:16:22
